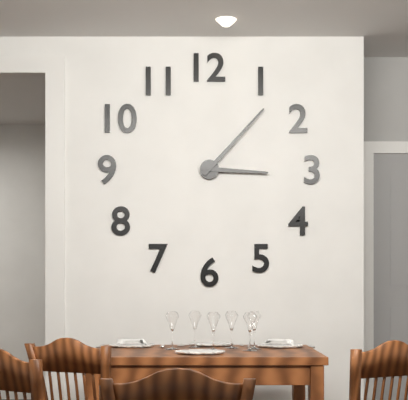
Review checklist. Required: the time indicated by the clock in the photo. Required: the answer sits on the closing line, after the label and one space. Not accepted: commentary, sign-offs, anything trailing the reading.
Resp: 3:07
